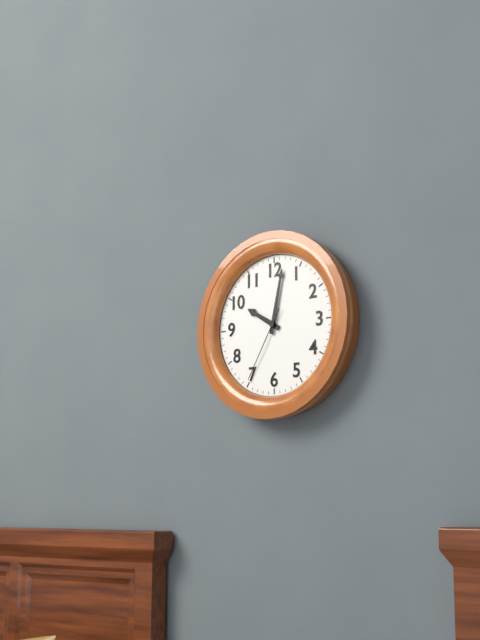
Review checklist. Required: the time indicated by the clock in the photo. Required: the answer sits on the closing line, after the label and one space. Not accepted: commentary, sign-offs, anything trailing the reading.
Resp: 10:02:35
